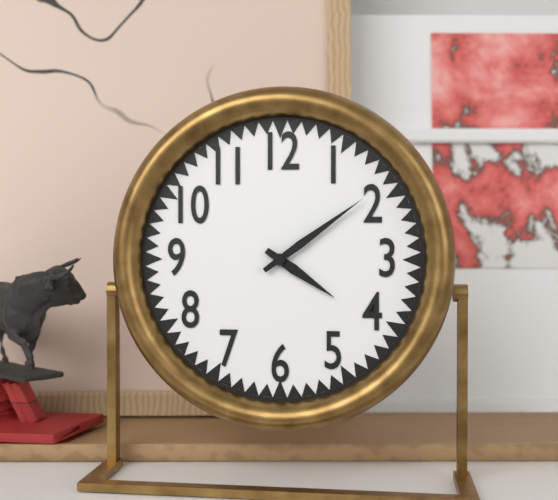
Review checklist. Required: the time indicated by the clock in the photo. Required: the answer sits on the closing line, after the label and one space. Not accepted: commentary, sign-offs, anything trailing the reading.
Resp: 4:09
